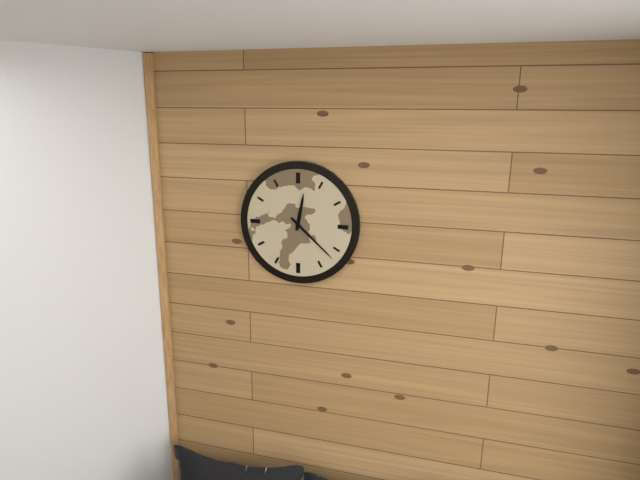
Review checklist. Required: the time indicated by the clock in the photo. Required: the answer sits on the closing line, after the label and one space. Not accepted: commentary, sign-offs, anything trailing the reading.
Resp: 12:22
